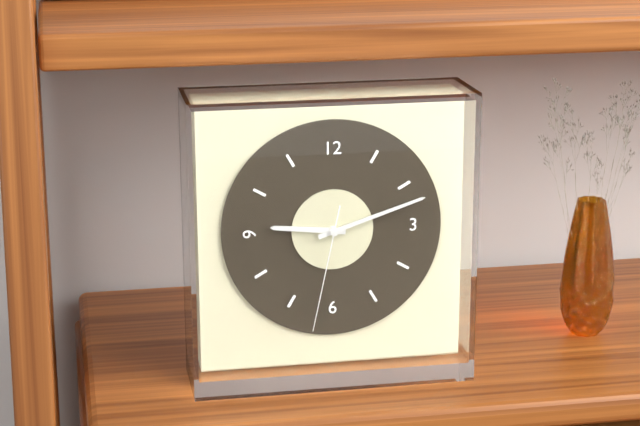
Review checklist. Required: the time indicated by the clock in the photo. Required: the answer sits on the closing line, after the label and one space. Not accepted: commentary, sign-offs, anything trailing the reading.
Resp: 9:12:32
